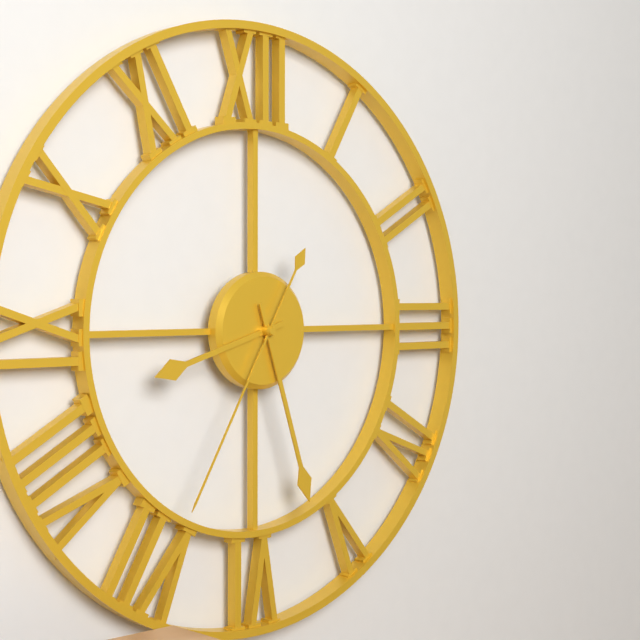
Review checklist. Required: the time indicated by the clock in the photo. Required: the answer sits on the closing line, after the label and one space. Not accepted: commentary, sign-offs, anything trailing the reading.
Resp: 8:27:35
